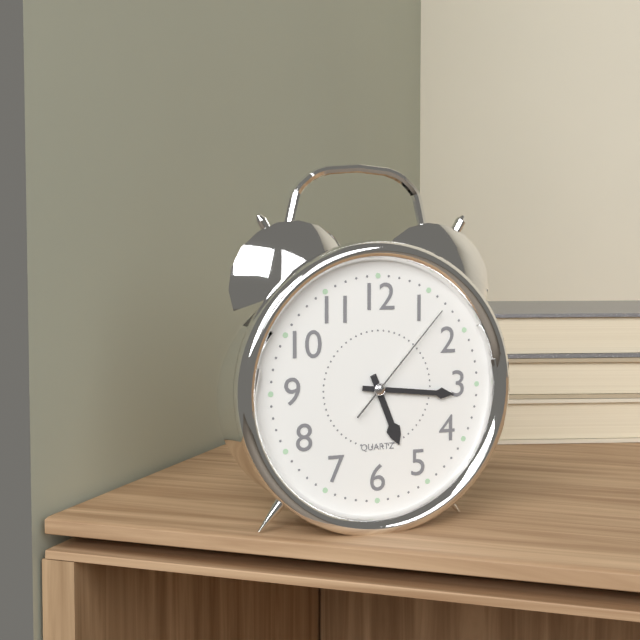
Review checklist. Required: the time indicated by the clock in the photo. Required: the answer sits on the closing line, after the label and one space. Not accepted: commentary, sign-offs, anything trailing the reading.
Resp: 5:16:07
